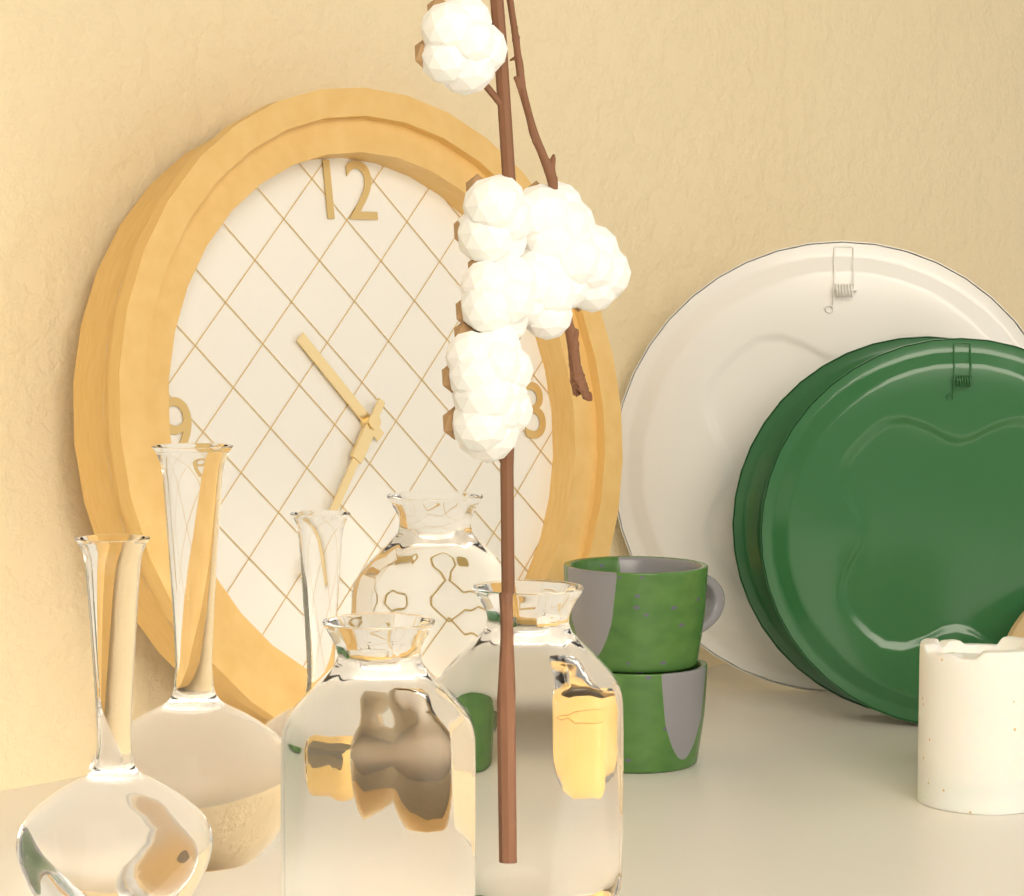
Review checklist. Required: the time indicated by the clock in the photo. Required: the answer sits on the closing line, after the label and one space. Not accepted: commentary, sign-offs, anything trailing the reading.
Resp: 10:36
